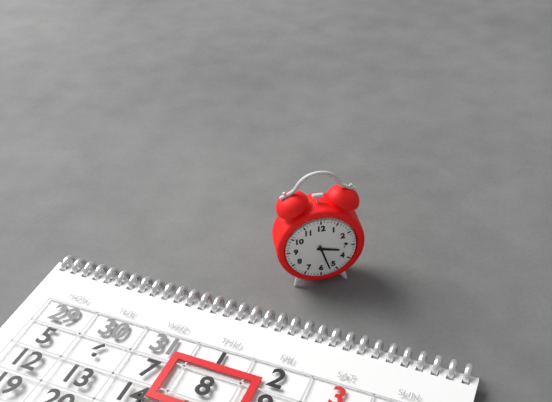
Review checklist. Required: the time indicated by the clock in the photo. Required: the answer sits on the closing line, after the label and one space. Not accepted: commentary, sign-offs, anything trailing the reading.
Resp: 3:27
